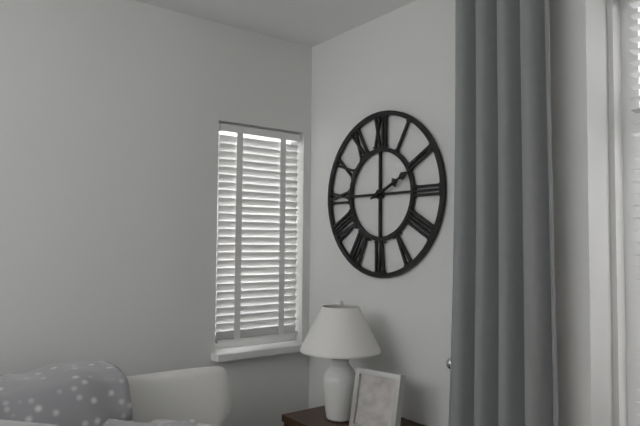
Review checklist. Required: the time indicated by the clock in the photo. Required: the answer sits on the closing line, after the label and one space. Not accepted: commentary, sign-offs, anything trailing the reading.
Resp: 2:11
